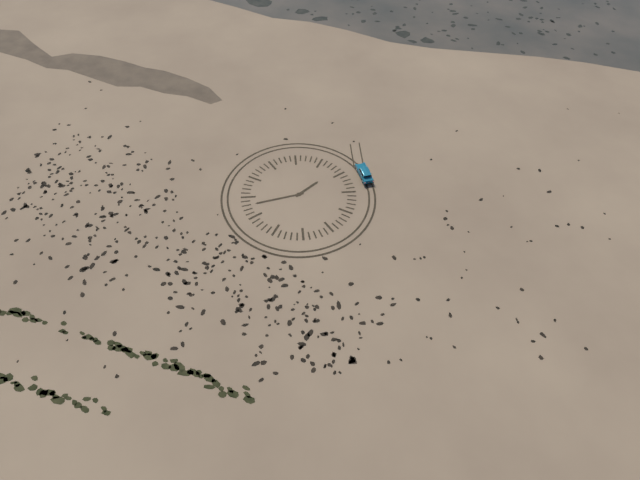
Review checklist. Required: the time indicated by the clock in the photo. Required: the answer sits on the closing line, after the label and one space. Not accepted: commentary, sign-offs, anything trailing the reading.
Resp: 1:43
